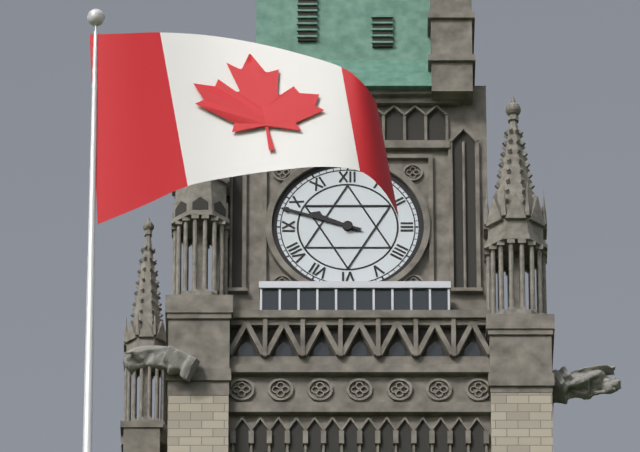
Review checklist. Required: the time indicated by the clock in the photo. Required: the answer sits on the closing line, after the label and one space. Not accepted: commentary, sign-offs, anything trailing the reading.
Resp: 9:48
